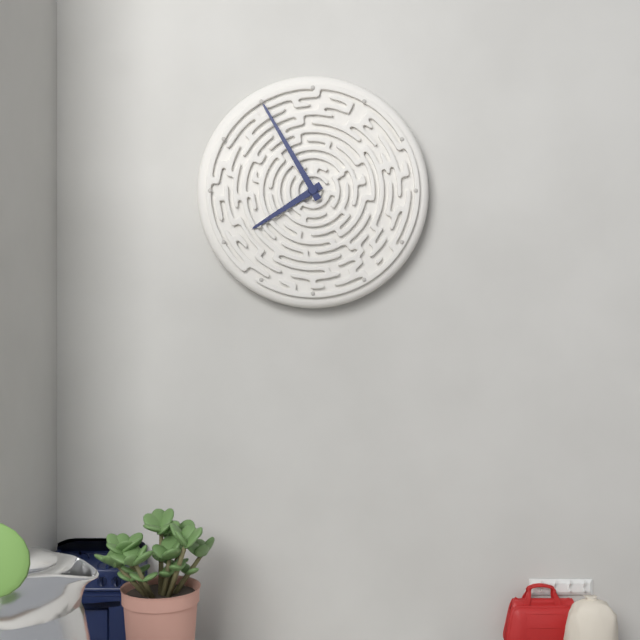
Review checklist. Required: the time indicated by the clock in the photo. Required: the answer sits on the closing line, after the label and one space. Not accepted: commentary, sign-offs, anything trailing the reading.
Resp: 7:55
